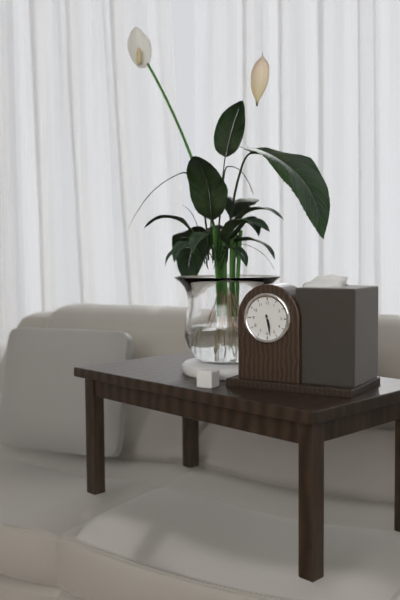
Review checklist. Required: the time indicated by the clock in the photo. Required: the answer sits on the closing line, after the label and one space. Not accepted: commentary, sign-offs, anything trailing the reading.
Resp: 5:28
